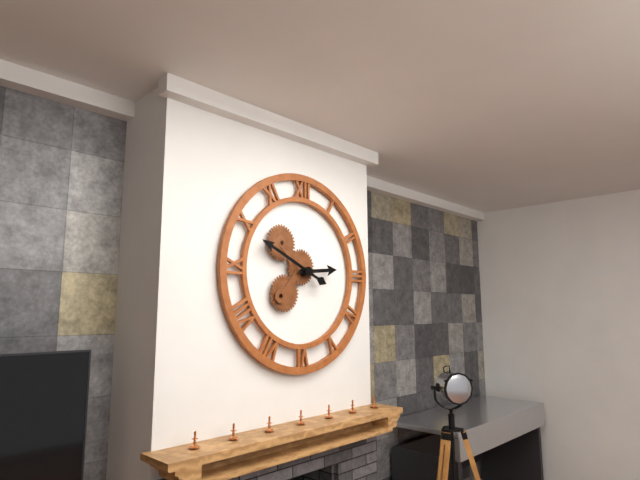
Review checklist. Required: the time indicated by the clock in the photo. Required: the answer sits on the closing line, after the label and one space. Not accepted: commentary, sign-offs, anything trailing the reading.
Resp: 2:49
